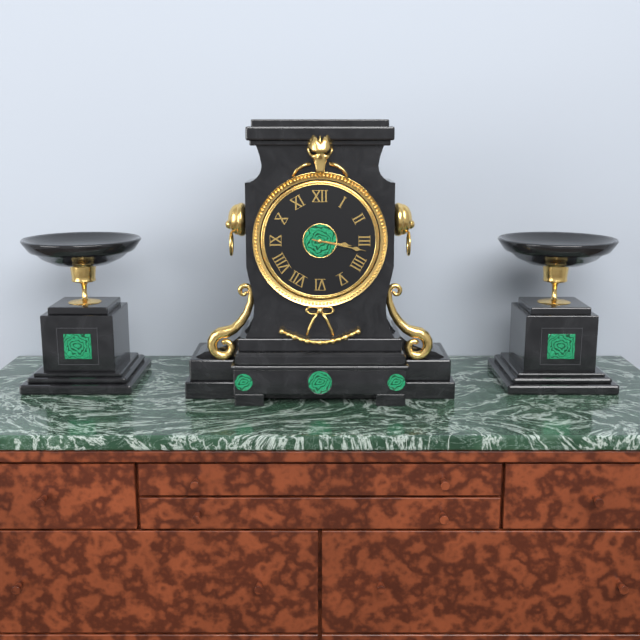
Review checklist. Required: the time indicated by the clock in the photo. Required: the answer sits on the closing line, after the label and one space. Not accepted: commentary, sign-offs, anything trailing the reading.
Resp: 3:17
